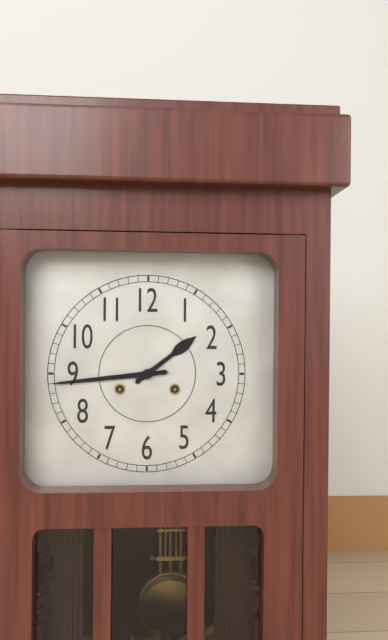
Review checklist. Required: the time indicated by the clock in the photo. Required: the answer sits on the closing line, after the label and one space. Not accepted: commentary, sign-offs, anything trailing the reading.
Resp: 1:44
